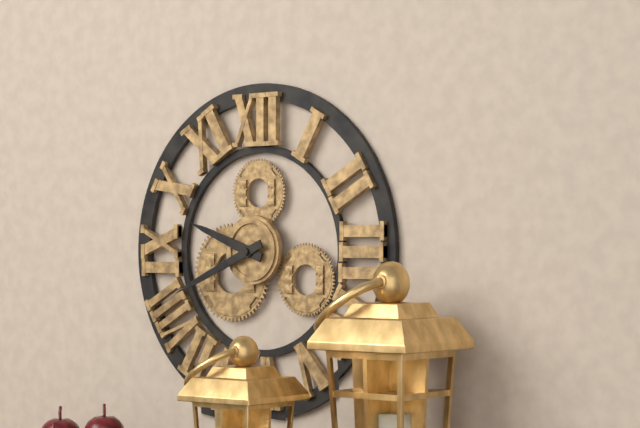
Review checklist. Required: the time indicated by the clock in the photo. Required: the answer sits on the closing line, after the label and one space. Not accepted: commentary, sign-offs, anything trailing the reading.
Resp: 9:41
